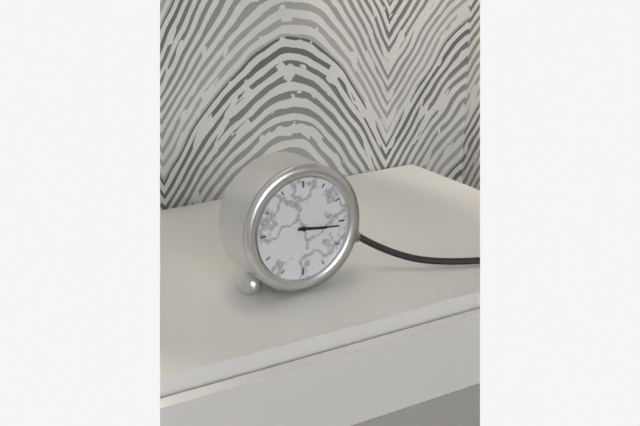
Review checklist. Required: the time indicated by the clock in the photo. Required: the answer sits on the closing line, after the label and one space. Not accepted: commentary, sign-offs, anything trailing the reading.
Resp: 3:16
